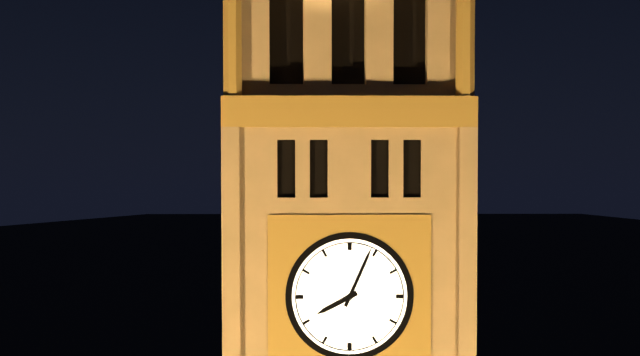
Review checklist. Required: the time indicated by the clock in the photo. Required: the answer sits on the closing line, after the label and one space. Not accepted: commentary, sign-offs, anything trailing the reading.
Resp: 8:04
